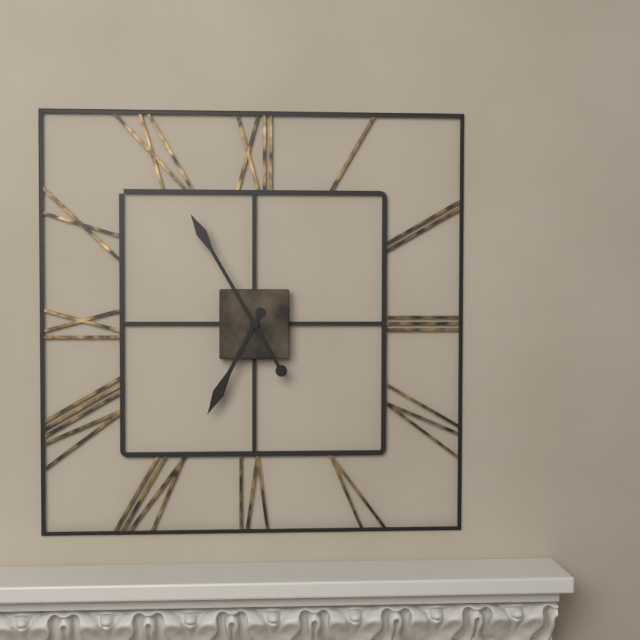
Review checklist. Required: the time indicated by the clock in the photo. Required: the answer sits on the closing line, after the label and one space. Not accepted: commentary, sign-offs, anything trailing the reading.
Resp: 6:55
